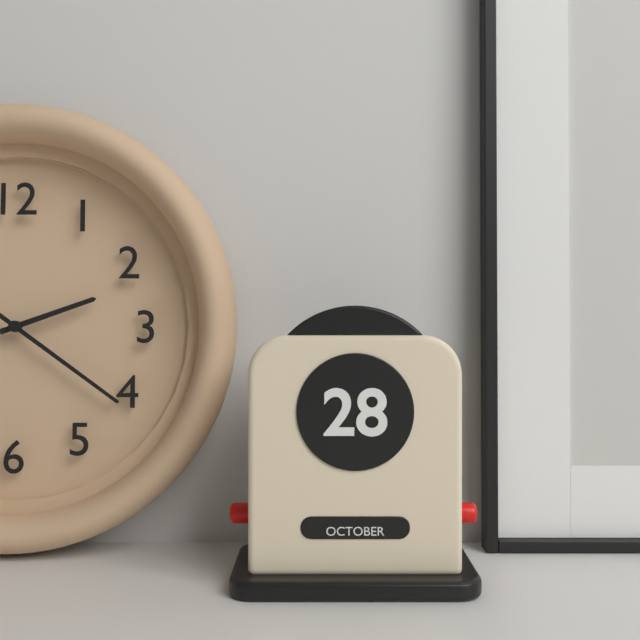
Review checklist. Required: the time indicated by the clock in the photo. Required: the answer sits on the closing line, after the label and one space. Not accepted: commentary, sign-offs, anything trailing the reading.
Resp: 2:21
